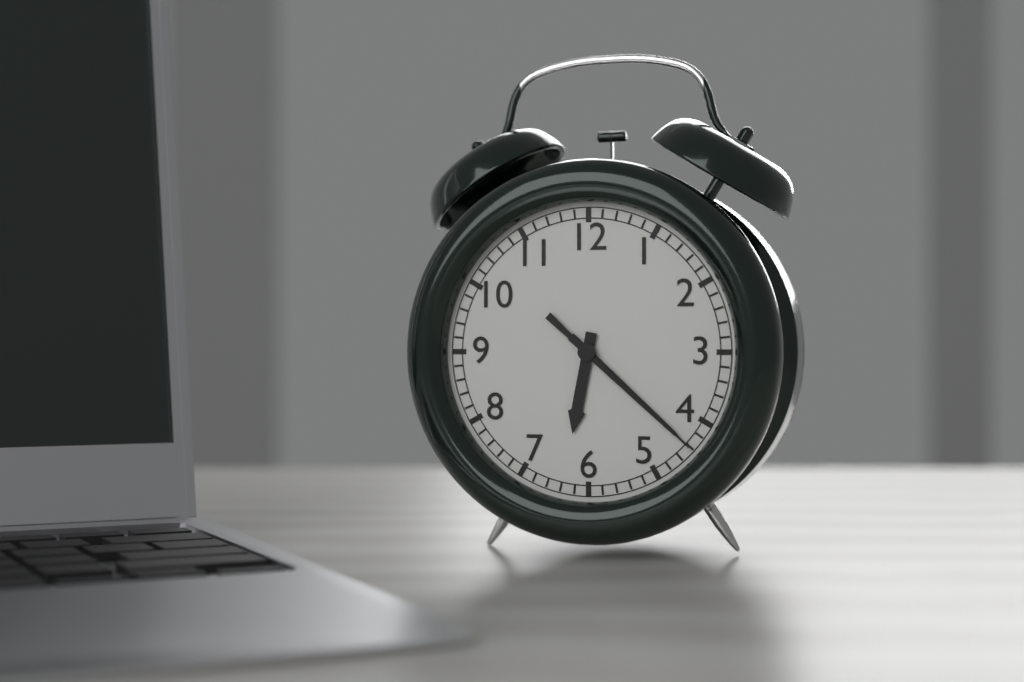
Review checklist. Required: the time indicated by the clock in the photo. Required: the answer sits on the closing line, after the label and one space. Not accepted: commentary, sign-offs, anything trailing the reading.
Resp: 6:22:22
